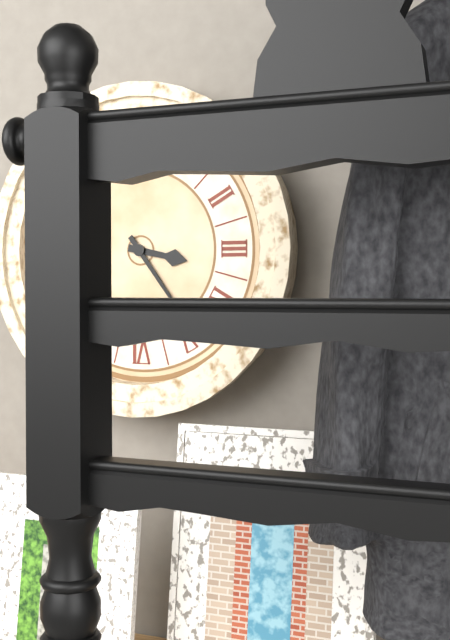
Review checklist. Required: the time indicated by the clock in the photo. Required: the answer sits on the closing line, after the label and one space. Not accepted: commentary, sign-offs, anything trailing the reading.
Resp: 3:24
